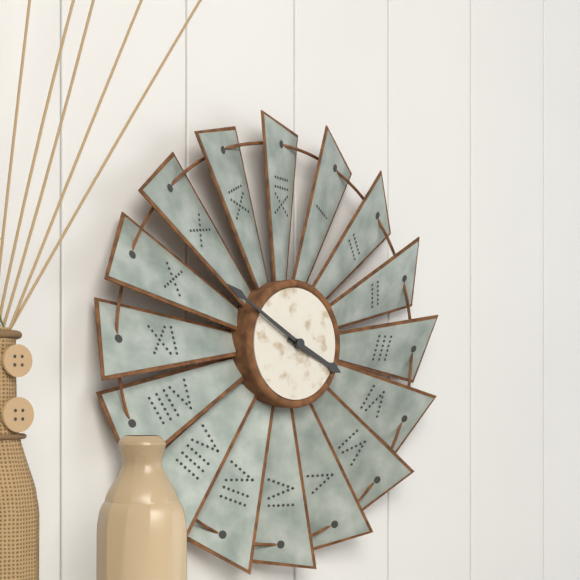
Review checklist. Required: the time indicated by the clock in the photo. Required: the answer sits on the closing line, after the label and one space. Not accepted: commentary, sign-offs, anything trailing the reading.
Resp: 3:50
